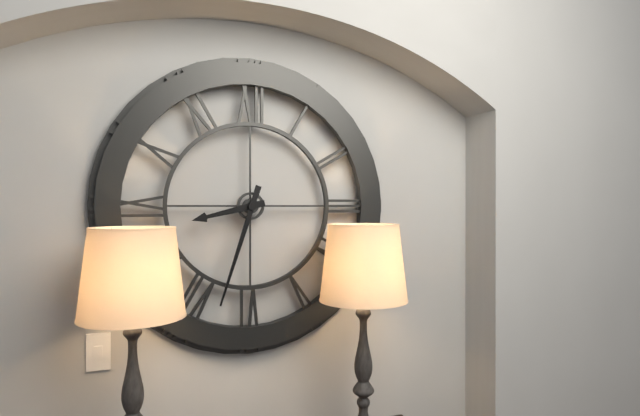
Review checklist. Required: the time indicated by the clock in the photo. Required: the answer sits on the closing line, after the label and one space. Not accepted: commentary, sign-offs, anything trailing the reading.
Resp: 8:33
